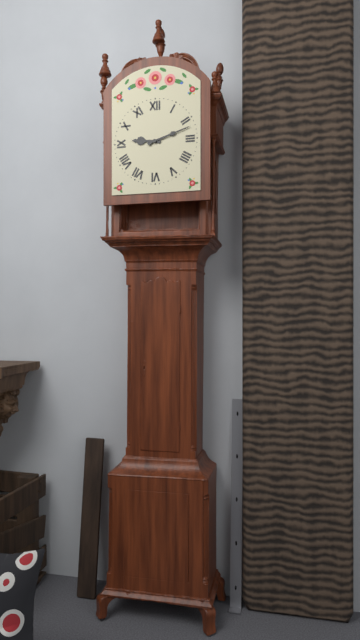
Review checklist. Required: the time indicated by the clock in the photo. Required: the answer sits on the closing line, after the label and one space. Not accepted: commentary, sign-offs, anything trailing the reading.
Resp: 9:12
